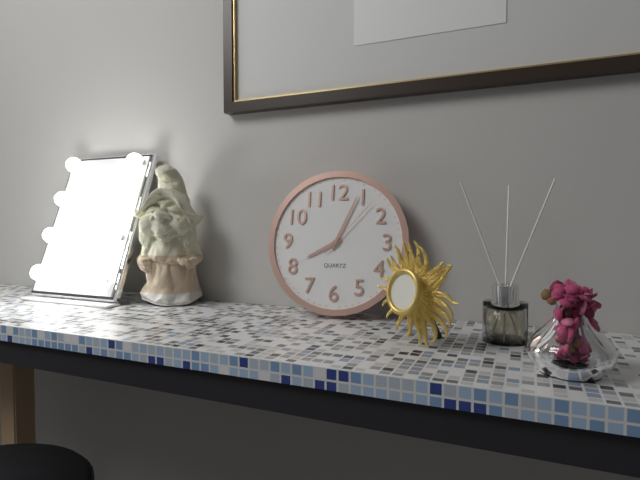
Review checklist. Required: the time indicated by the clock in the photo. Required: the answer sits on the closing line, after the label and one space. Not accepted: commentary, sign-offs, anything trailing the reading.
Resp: 8:04:07
